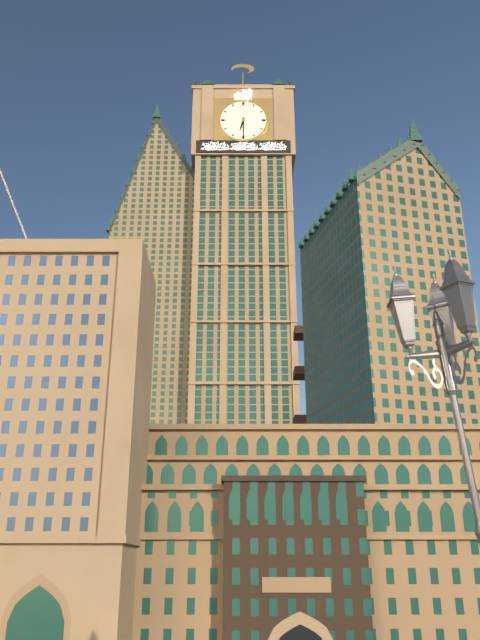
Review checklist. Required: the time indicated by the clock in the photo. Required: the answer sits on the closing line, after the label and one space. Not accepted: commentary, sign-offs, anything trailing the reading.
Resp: 6:30
